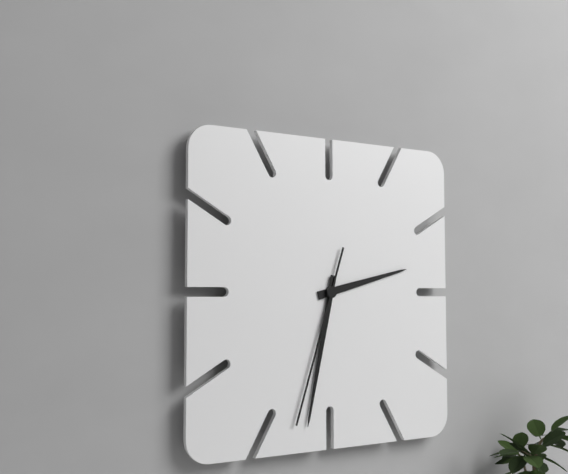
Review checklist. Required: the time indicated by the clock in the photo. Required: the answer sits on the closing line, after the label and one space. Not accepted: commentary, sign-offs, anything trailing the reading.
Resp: 2:32:33
